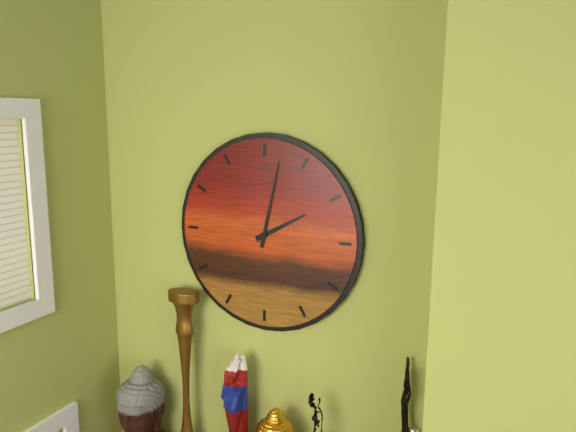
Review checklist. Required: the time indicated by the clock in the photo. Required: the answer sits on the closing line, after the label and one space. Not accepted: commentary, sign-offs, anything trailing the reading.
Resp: 2:02
